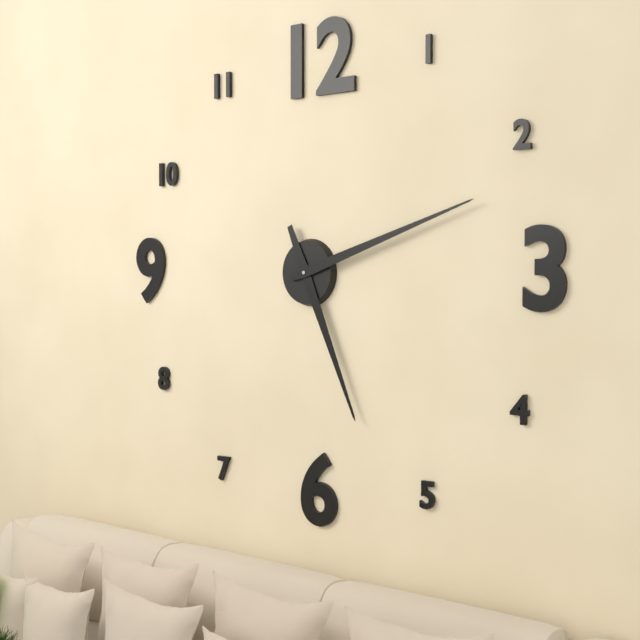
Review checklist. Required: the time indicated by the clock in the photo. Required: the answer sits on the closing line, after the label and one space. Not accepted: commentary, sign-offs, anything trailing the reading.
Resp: 5:12
